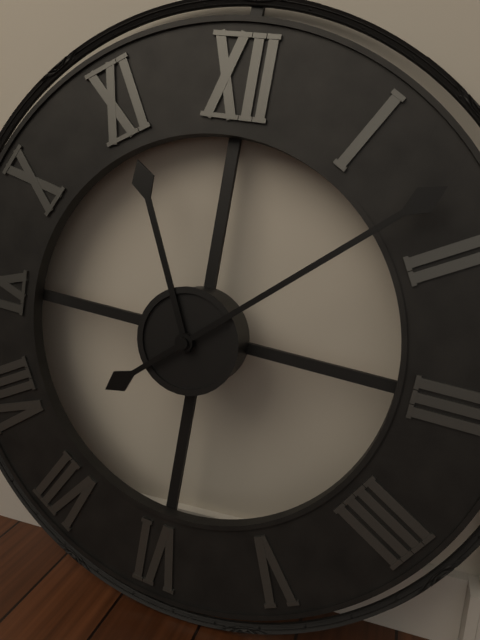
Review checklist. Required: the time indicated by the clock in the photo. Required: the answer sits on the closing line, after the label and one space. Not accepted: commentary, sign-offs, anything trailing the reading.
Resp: 11:08
